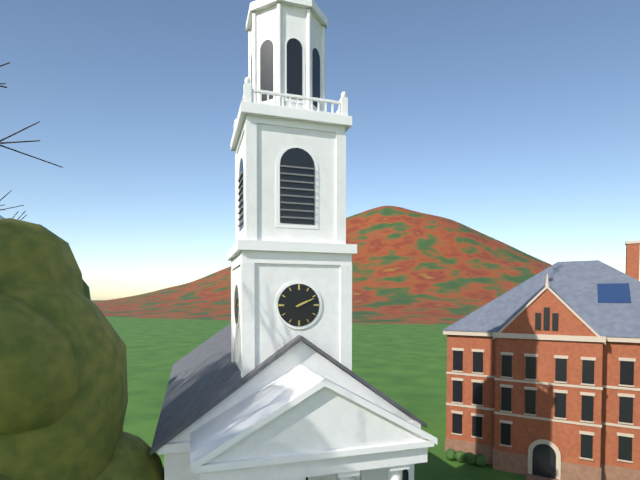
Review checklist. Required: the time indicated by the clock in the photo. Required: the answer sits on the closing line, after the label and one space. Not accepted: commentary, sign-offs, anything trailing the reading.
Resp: 2:11
